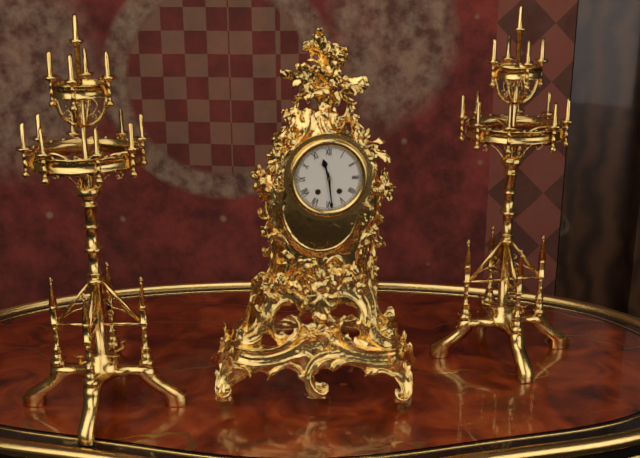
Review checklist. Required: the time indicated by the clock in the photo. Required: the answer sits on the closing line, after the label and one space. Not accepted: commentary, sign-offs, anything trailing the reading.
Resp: 11:29
